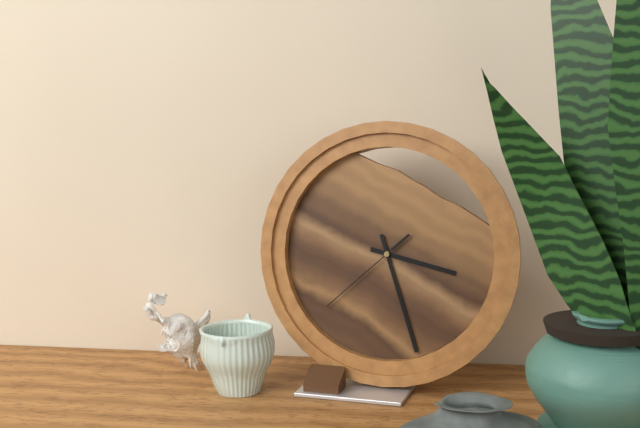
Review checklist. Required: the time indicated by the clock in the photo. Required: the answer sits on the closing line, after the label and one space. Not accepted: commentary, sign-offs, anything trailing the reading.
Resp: 3:27:38
